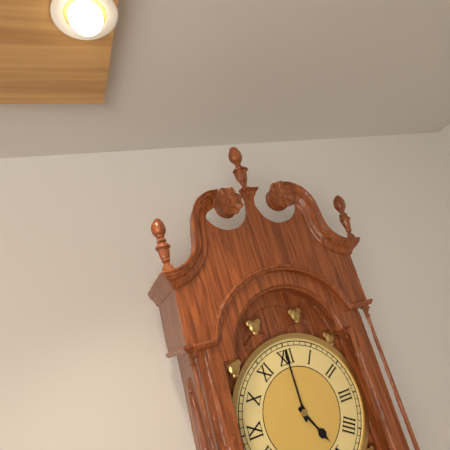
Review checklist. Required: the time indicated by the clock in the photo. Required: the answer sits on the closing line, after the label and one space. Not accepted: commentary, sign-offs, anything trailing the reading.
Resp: 5:00
